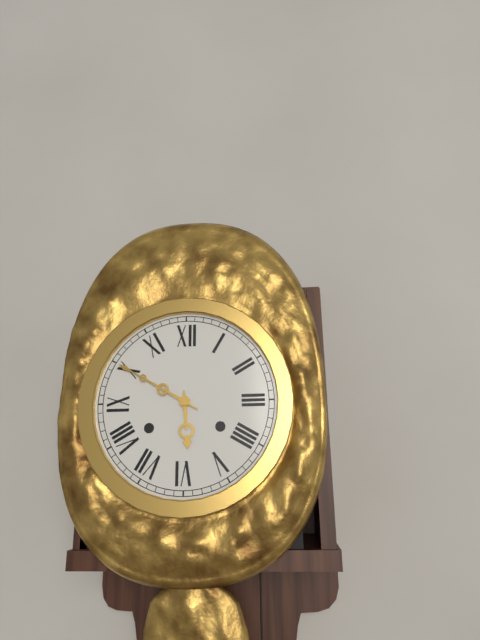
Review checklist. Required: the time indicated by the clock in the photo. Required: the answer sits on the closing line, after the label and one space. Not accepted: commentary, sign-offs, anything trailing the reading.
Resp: 5:50
